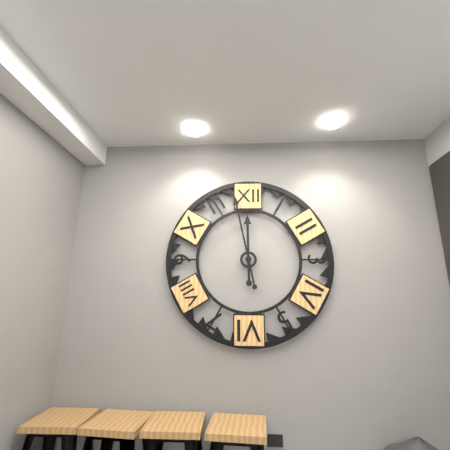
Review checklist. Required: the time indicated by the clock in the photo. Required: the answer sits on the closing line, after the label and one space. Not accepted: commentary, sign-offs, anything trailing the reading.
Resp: 11:58
